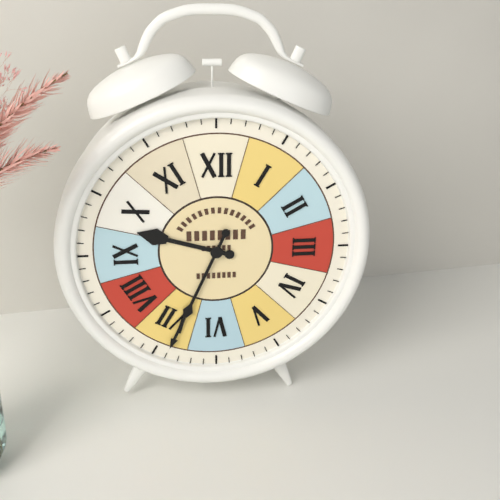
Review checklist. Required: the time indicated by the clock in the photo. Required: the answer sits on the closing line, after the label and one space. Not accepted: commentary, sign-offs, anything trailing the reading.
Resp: 9:34
